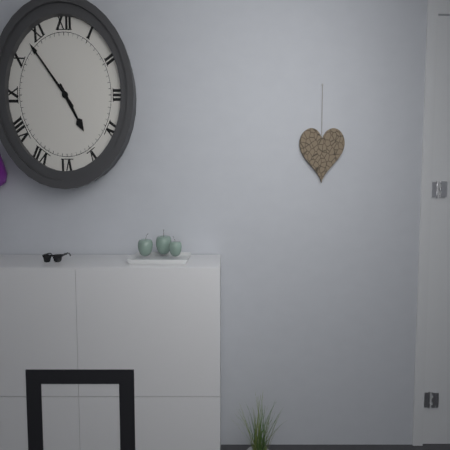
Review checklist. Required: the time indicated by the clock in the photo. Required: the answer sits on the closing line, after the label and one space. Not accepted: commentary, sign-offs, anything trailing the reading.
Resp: 4:53
